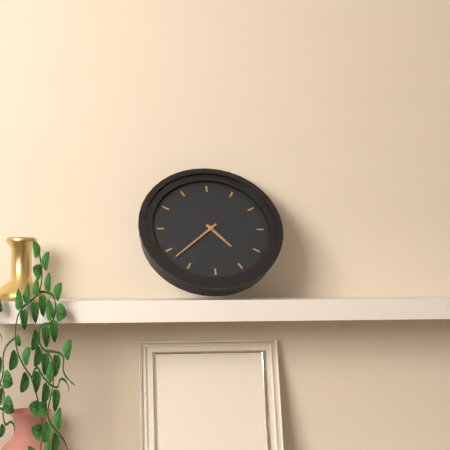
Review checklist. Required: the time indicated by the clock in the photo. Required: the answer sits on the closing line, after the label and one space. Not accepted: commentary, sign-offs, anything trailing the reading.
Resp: 4:38
